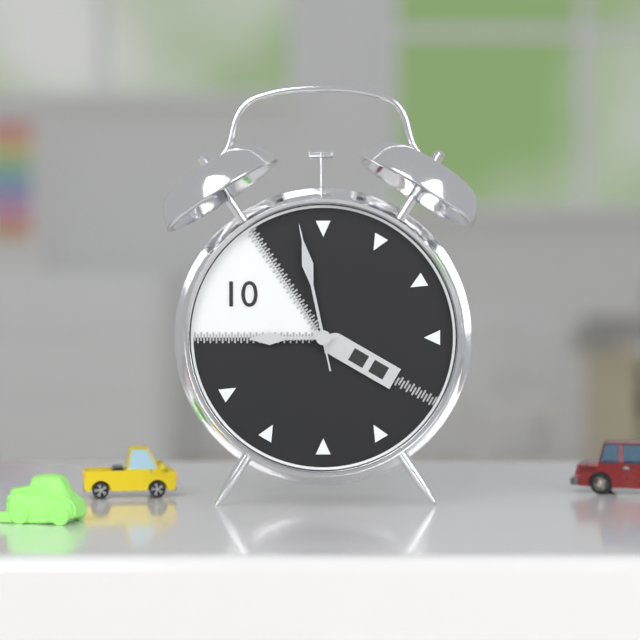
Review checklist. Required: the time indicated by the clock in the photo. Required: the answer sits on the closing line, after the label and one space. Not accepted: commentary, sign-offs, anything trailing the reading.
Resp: 8:58:58
